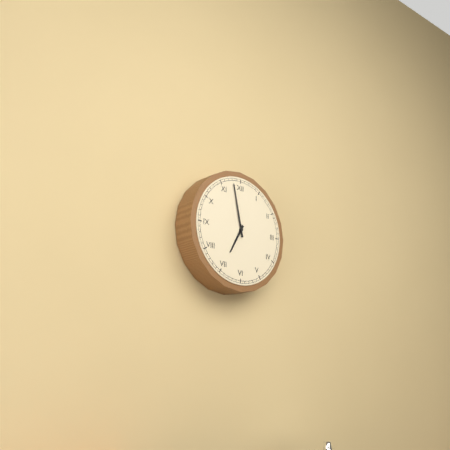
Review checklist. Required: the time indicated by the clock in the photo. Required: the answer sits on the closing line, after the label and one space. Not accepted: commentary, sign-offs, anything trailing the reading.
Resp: 6:58
